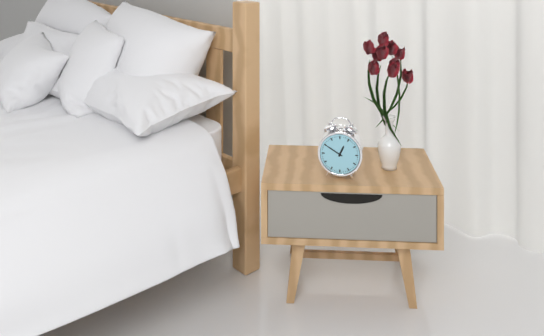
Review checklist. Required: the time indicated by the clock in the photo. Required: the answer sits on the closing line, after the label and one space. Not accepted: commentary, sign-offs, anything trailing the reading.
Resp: 12:50
